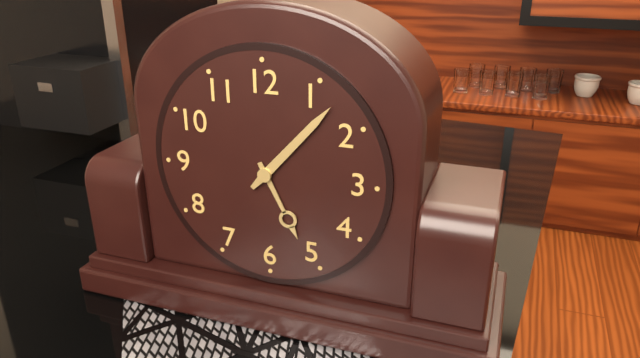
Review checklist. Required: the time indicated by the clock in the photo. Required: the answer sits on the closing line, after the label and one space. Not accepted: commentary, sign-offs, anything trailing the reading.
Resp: 5:07
